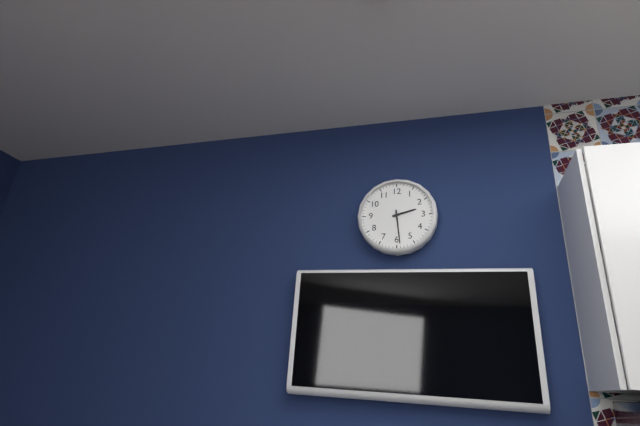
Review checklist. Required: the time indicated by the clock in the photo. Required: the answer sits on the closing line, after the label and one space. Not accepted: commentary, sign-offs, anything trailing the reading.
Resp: 2:29
